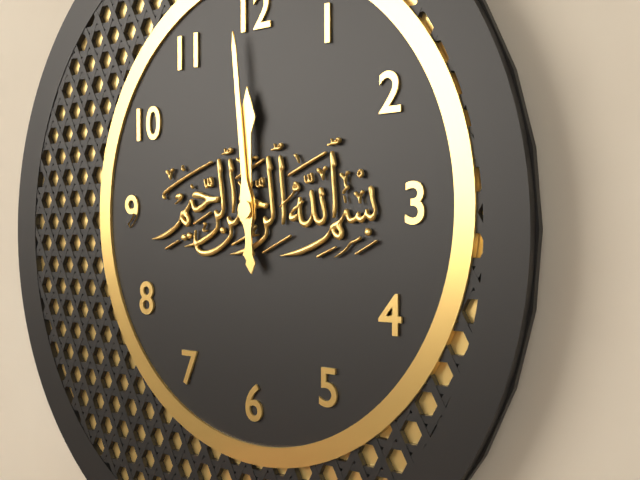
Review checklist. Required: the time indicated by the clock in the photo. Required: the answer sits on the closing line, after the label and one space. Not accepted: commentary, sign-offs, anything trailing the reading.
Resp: 11:59
